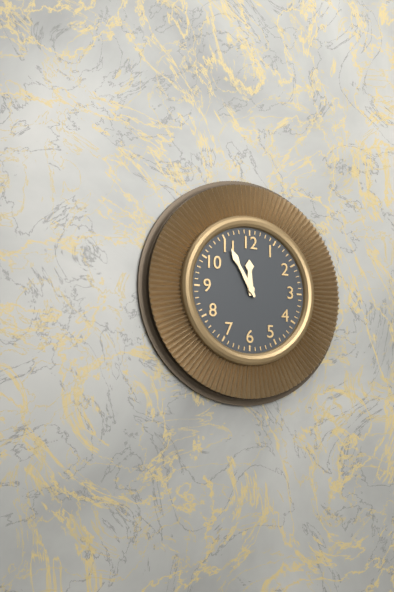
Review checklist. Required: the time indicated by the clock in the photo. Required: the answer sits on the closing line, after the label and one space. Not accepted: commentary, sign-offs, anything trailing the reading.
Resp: 11:55
